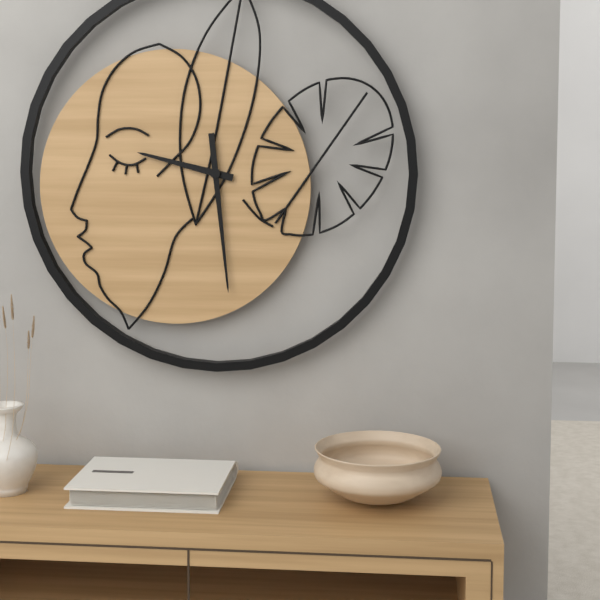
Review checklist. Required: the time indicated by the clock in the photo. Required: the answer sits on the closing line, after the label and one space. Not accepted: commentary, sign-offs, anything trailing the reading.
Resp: 9:29
